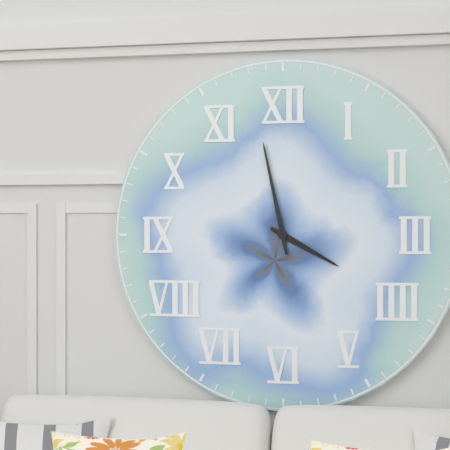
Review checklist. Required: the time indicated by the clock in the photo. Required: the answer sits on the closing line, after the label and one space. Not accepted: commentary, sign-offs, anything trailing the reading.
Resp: 3:58
